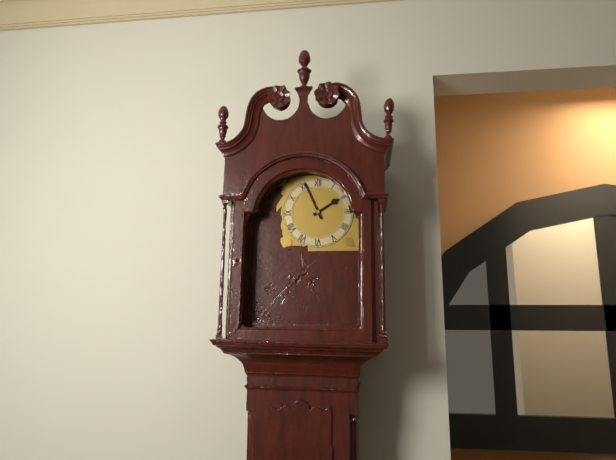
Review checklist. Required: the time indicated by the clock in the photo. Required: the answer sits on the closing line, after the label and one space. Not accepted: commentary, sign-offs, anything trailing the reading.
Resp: 1:56
